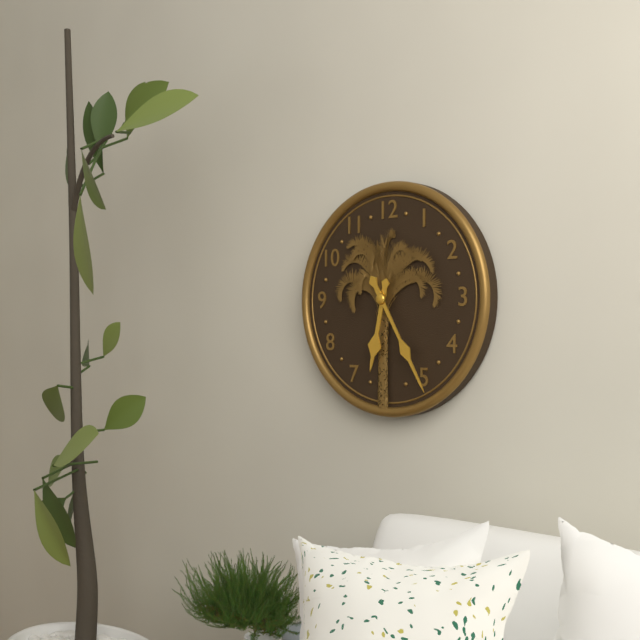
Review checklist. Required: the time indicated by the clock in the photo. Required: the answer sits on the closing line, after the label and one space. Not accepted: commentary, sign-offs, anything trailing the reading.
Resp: 6:25
